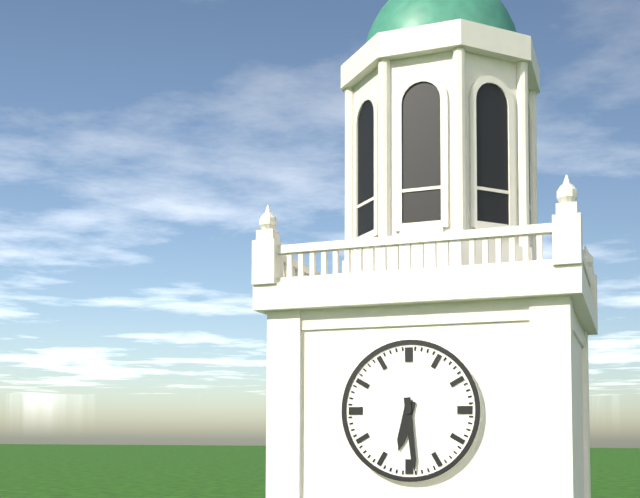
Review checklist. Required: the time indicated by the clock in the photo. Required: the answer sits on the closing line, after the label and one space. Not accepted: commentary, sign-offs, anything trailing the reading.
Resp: 6:29
